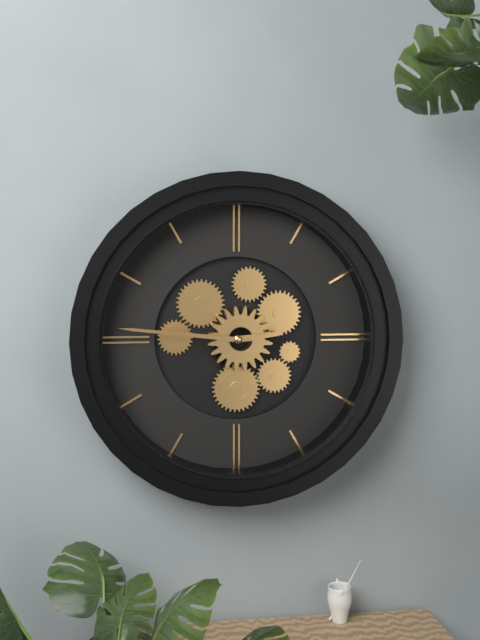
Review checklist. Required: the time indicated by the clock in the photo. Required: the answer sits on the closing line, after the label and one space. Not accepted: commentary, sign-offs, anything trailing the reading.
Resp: 2:46
